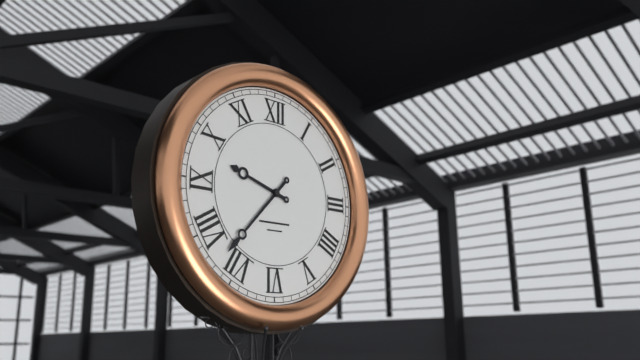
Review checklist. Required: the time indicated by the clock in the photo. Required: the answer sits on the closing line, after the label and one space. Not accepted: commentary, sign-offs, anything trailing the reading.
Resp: 9:37
